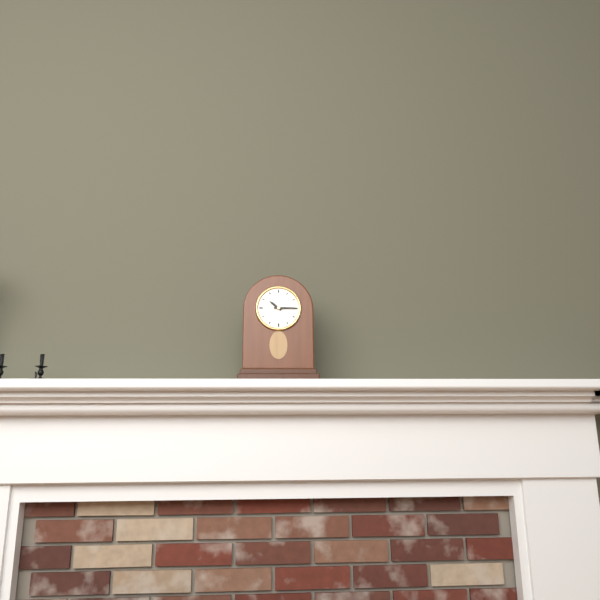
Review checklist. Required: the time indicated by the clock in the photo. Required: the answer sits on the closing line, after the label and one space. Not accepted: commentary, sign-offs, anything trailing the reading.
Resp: 10:15
